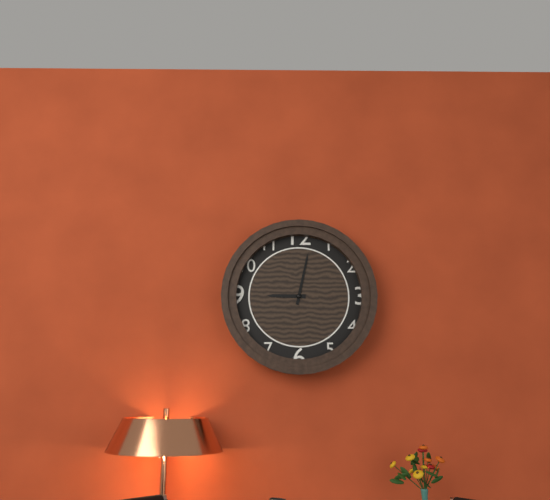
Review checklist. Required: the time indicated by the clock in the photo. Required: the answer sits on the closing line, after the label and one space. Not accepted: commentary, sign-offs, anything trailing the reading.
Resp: 9:02
